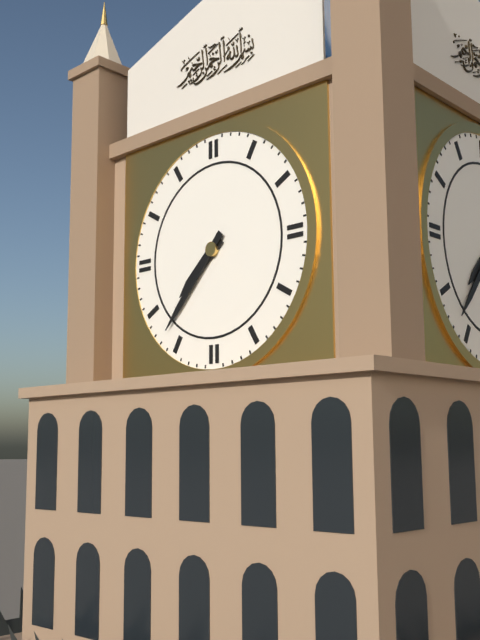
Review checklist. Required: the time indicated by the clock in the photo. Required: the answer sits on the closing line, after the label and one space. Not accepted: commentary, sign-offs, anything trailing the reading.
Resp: 7:37
